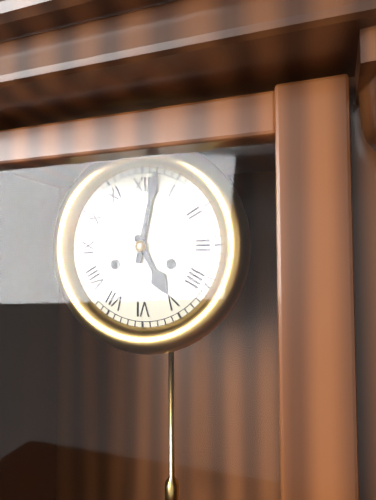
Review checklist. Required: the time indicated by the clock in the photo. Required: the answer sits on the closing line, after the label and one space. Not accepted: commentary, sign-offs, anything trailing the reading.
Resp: 5:02
